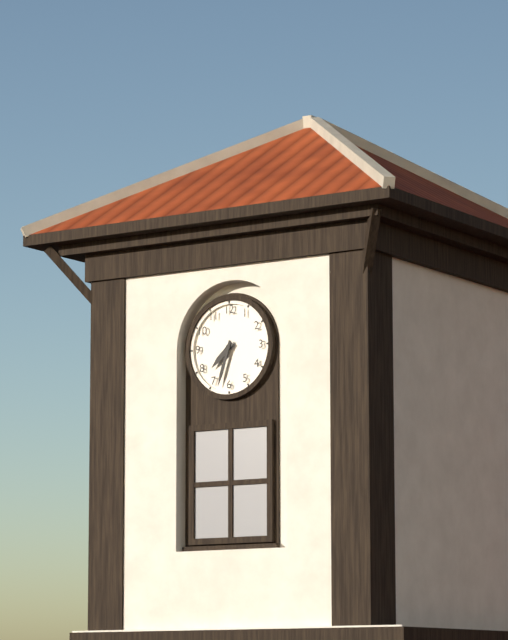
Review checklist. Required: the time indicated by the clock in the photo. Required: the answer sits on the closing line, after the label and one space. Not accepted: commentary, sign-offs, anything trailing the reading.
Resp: 7:33
